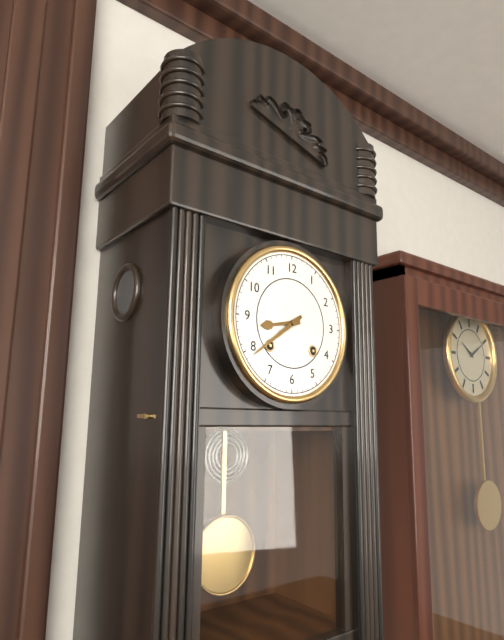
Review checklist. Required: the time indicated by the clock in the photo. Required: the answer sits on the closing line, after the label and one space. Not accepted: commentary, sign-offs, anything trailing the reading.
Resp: 8:39
